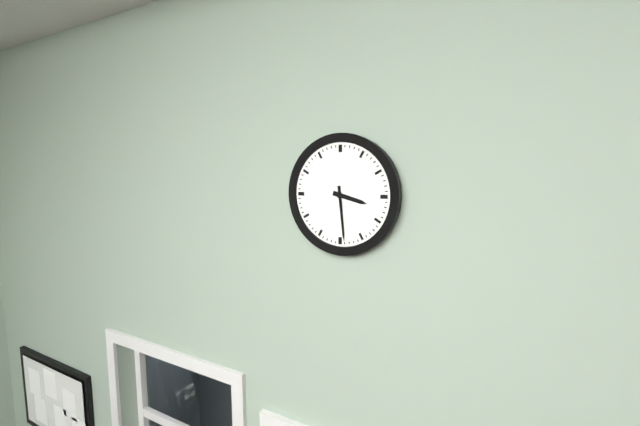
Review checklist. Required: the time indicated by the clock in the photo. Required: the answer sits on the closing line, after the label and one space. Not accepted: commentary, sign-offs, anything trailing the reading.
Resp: 3:29
